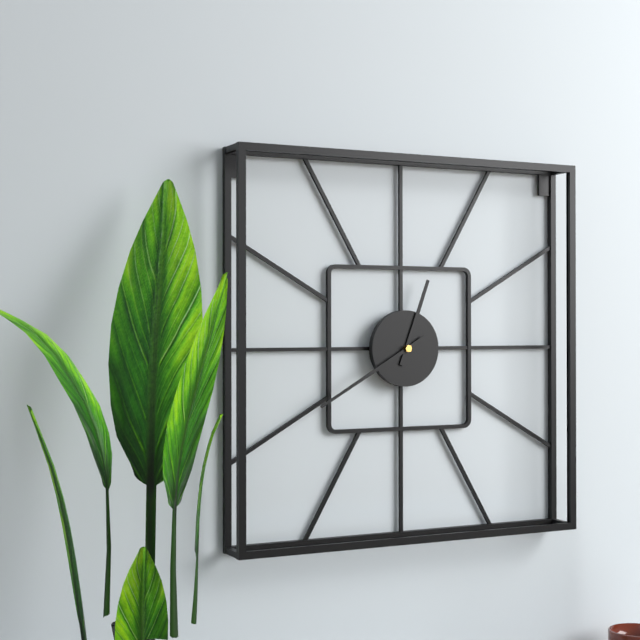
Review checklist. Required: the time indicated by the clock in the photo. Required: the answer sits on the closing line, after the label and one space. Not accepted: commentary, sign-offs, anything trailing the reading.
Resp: 12:40
